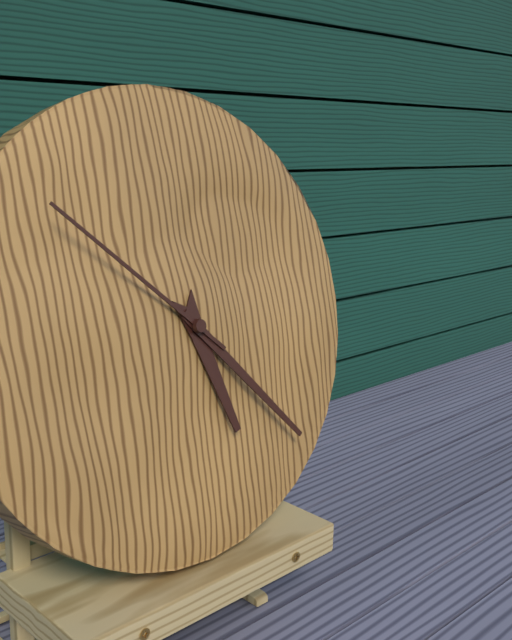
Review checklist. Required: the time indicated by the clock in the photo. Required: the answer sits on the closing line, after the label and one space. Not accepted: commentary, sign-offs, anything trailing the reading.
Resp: 5:23:52
